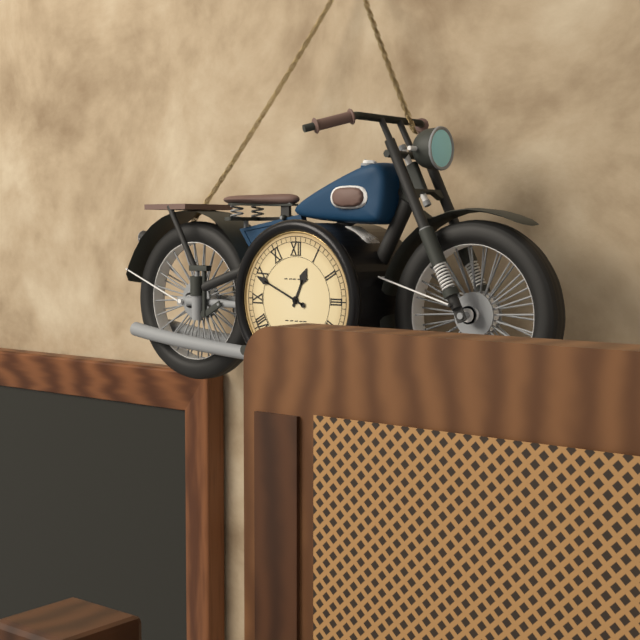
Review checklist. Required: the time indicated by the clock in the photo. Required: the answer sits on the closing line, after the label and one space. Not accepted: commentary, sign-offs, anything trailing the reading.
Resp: 12:49
